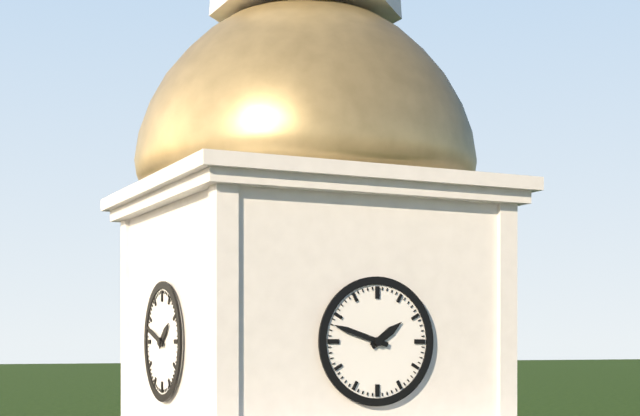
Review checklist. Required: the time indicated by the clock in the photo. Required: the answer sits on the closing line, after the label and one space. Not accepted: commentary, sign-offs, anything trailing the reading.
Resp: 1:48
